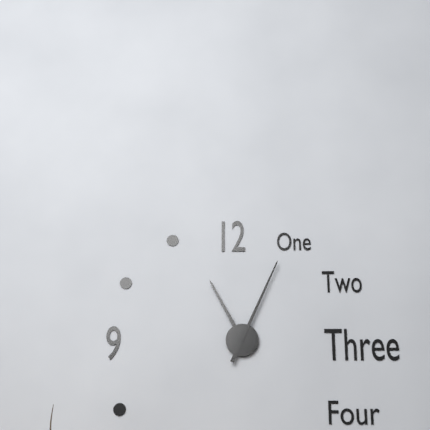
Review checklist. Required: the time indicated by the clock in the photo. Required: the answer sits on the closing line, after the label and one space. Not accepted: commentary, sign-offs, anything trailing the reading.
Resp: 11:04
